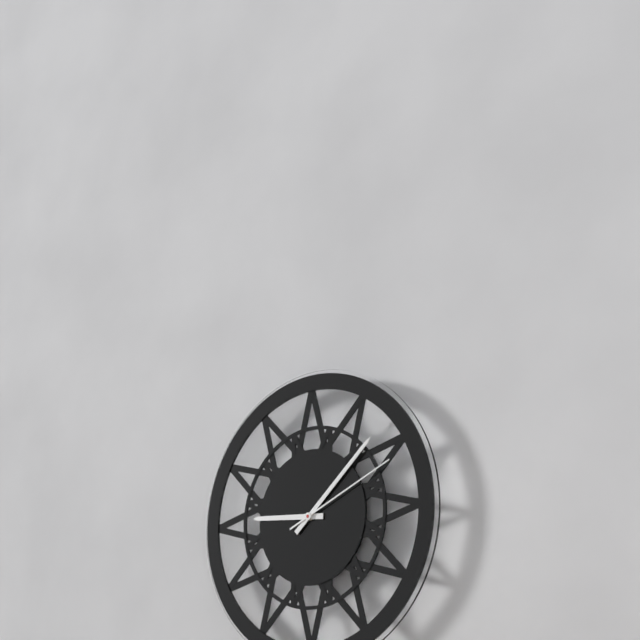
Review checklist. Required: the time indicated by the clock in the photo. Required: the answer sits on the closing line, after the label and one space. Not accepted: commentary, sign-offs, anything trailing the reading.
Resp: 9:08:11
